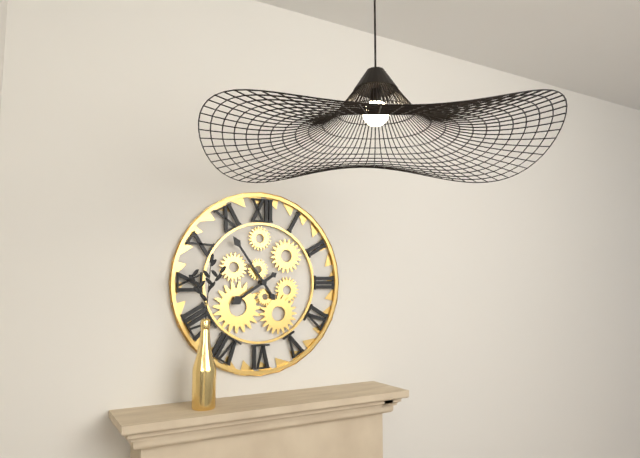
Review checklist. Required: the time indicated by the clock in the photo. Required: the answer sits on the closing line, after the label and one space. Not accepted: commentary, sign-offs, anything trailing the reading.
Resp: 7:54
